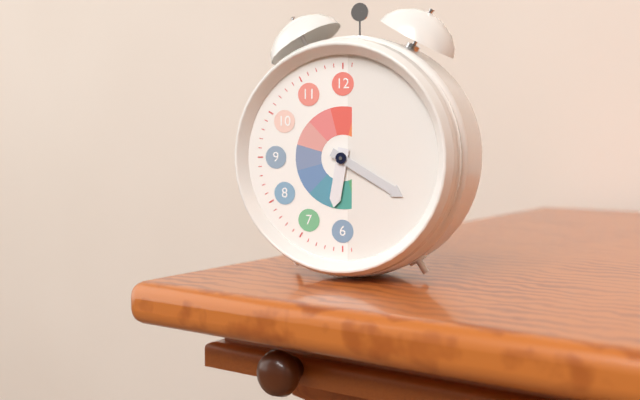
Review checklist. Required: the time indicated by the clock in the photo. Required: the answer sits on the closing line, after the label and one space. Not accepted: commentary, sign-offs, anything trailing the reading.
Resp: 6:20
